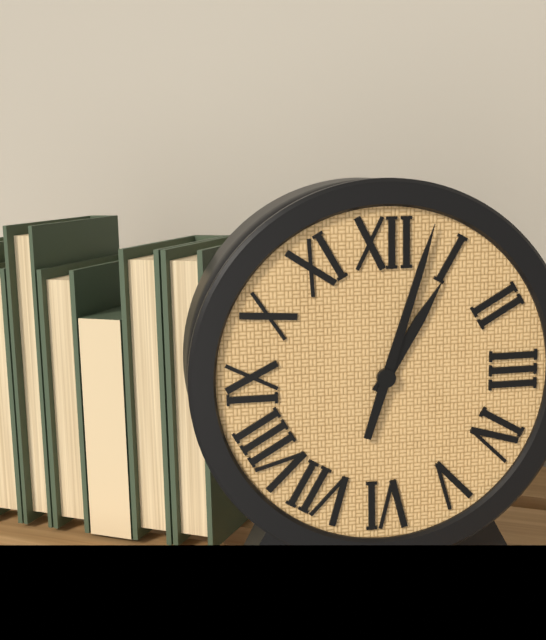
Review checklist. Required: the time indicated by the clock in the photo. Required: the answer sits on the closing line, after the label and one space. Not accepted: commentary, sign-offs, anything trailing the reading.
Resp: 1:03
